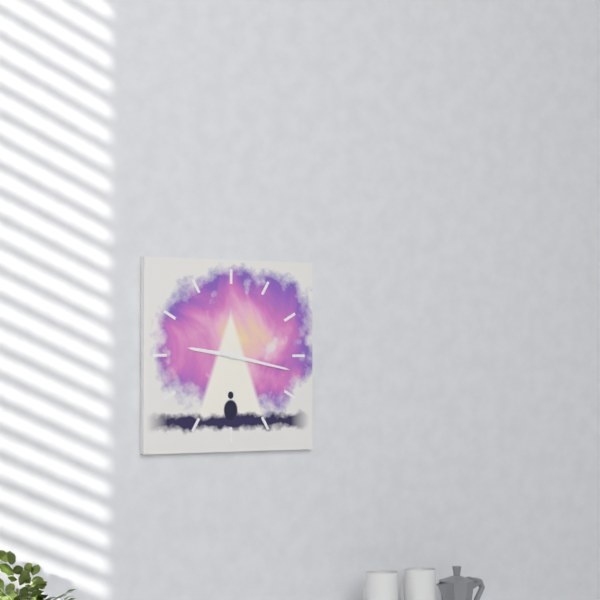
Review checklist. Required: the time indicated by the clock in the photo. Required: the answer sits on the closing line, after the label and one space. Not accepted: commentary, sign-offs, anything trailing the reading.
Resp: 9:17
